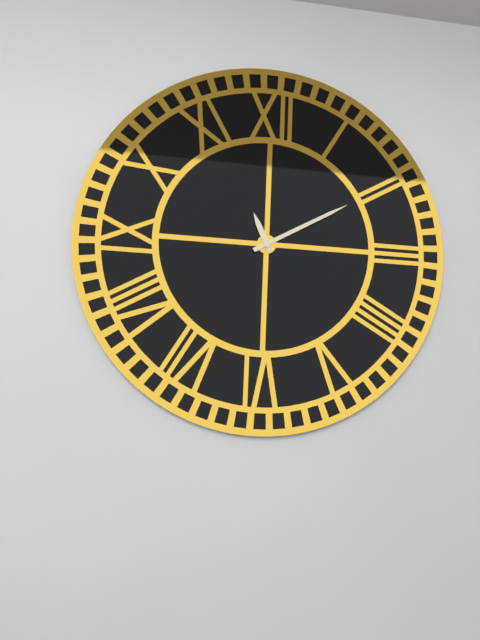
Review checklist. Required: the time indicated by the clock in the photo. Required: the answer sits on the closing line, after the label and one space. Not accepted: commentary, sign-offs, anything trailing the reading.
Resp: 11:10
